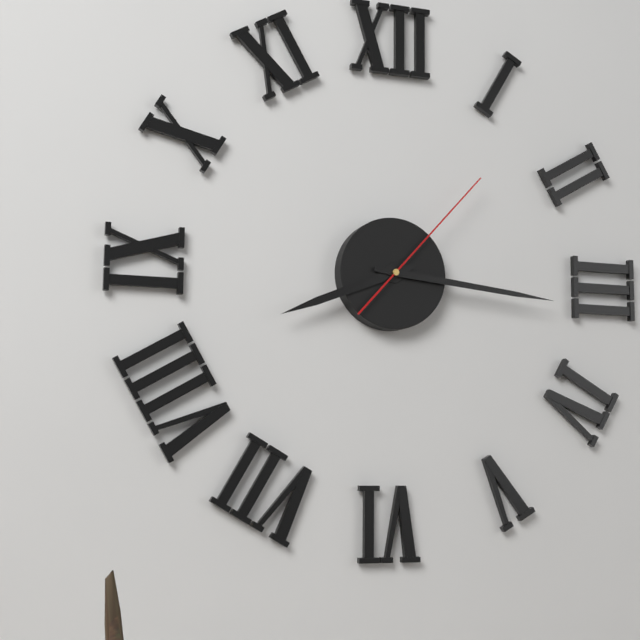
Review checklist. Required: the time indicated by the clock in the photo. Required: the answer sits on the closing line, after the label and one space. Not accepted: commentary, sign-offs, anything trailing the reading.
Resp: 8:16:07
